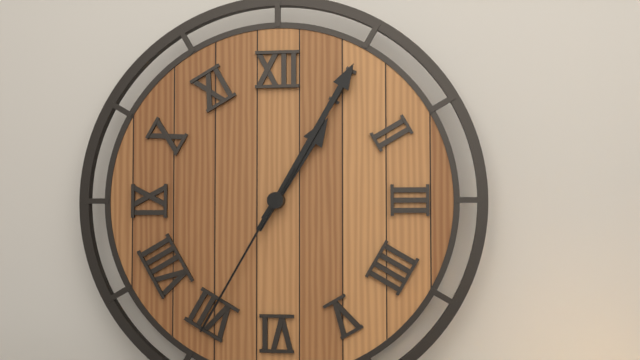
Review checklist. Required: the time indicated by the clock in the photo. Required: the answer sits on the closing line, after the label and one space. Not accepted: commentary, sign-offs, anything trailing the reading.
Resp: 1:05:35
